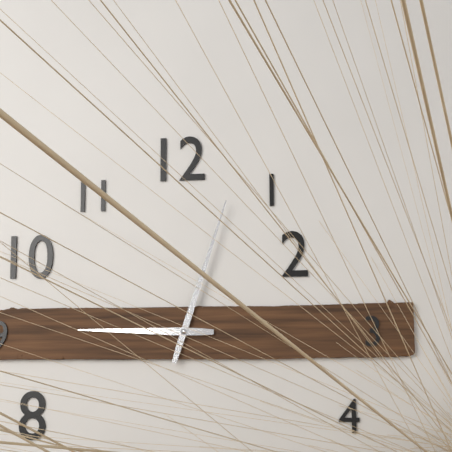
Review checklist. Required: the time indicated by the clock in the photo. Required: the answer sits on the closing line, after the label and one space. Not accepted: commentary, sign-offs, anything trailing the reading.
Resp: 9:03
